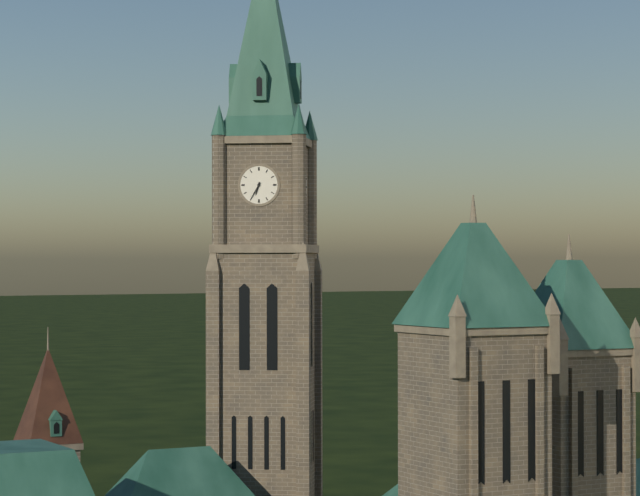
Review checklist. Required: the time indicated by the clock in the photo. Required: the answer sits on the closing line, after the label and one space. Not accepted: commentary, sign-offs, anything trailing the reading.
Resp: 6:35
